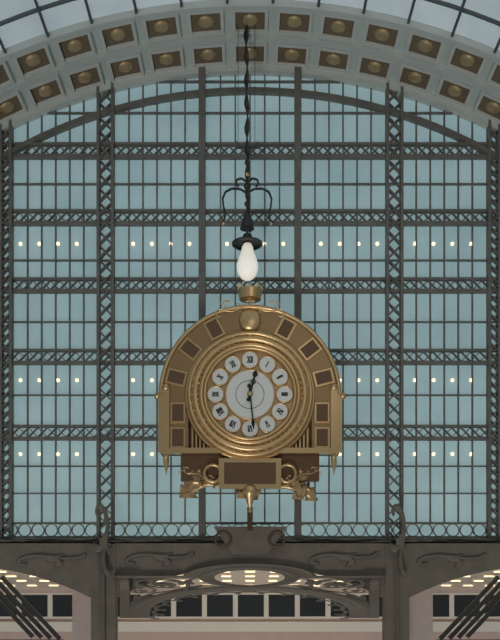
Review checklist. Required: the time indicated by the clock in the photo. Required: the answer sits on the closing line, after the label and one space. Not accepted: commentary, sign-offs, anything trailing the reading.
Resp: 12:29
